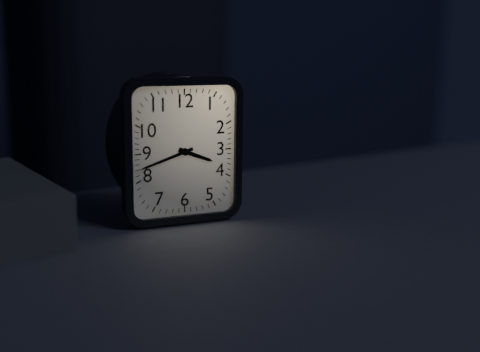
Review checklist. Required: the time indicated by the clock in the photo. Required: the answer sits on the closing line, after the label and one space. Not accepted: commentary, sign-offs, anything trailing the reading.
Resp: 3:42
